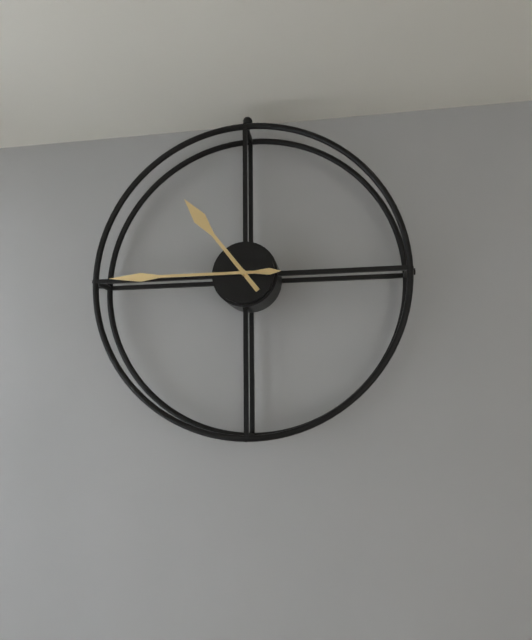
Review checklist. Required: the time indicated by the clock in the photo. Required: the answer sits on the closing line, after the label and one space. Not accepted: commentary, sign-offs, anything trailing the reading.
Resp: 10:45
